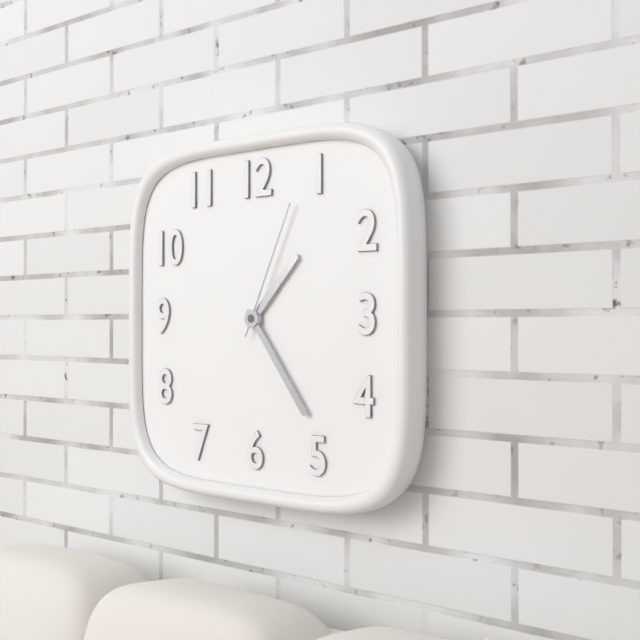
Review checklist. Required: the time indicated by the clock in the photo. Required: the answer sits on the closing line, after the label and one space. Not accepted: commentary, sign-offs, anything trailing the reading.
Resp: 1:24:04
